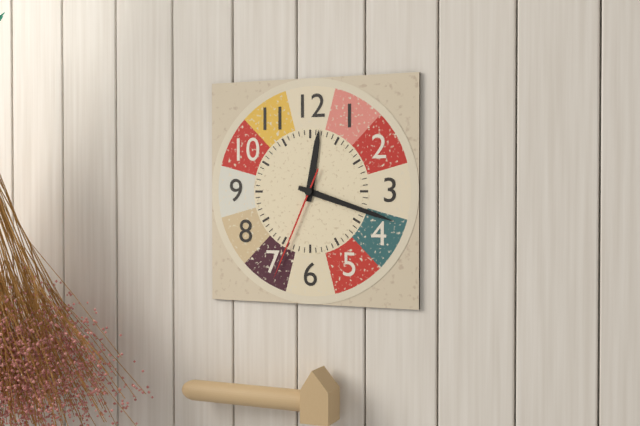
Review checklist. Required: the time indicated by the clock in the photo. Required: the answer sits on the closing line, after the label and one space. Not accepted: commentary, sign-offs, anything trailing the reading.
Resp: 12:18:34
